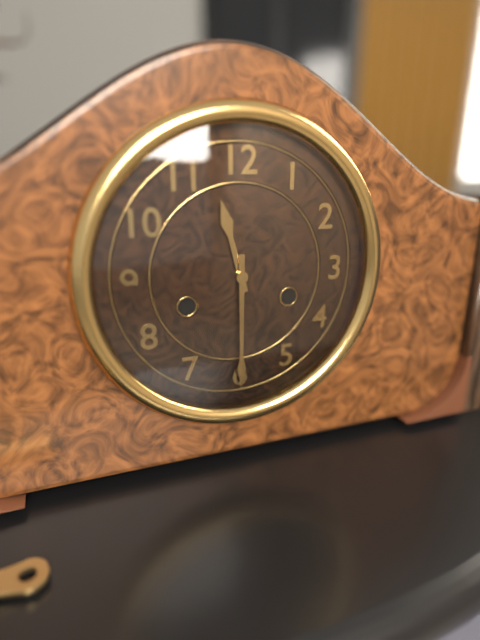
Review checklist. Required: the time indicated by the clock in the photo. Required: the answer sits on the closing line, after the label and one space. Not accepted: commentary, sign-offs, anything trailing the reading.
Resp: 11:30
